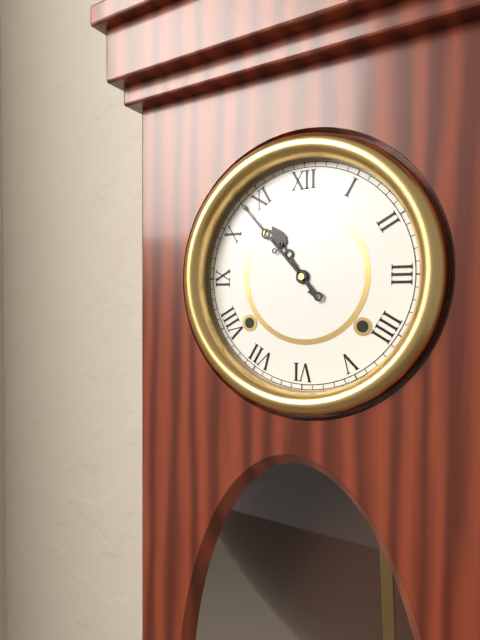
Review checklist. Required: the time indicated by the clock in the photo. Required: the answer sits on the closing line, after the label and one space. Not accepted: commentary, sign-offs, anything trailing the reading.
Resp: 10:53
